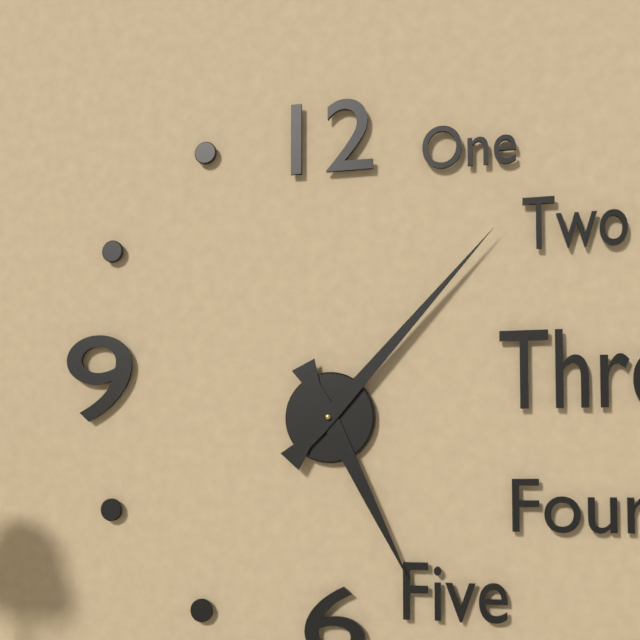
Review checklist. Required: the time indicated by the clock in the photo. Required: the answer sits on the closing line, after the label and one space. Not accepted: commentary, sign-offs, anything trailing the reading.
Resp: 5:07
